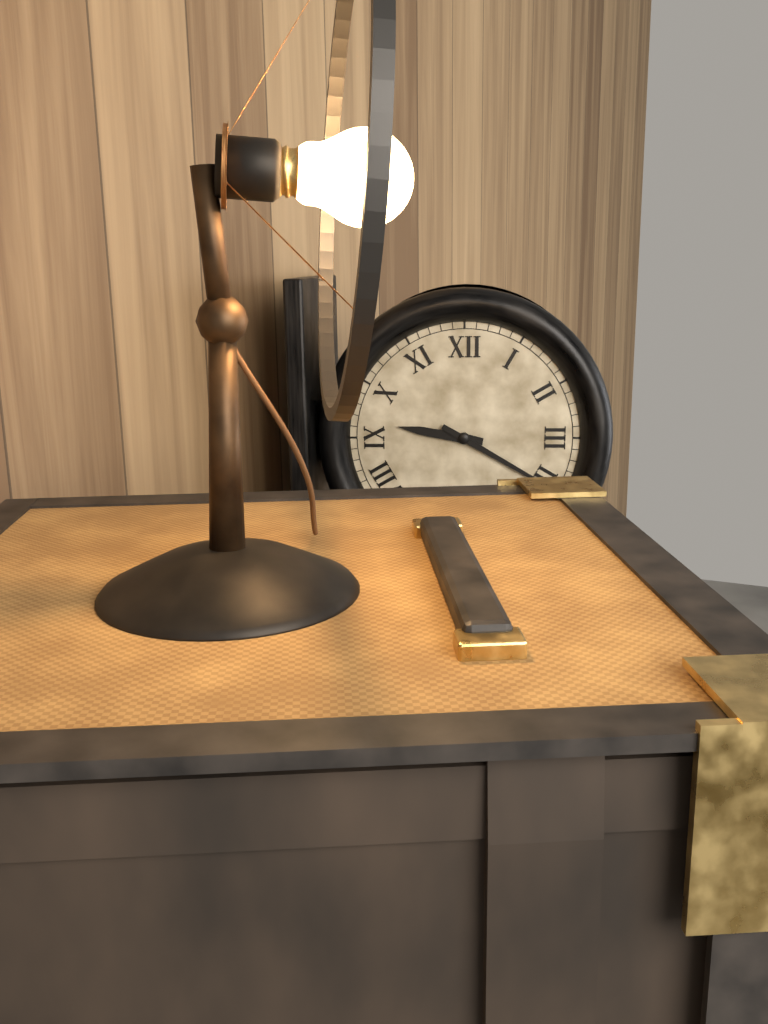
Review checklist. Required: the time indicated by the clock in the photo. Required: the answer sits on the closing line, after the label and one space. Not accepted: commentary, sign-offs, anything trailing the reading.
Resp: 9:20
